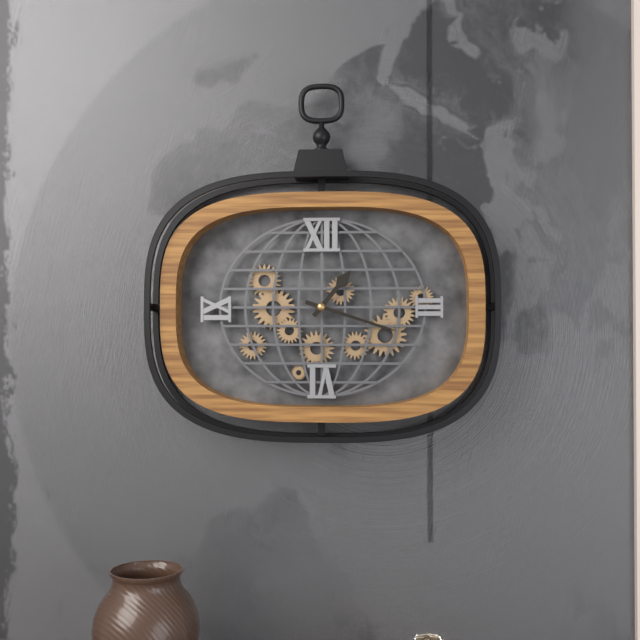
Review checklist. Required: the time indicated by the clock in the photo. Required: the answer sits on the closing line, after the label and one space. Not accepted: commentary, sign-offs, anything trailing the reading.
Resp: 1:18
